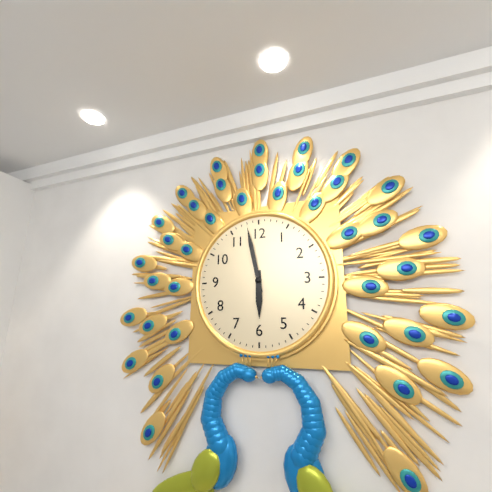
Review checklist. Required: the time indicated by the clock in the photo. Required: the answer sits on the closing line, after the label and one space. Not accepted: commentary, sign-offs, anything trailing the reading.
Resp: 5:58
